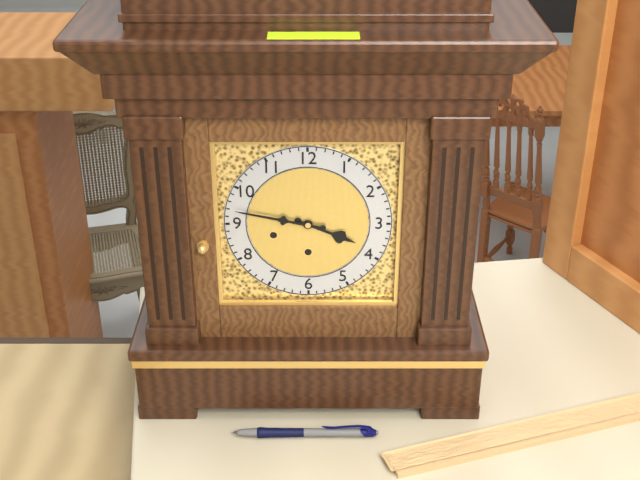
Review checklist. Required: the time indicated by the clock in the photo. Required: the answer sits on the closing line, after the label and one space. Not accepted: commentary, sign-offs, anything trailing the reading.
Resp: 3:47
